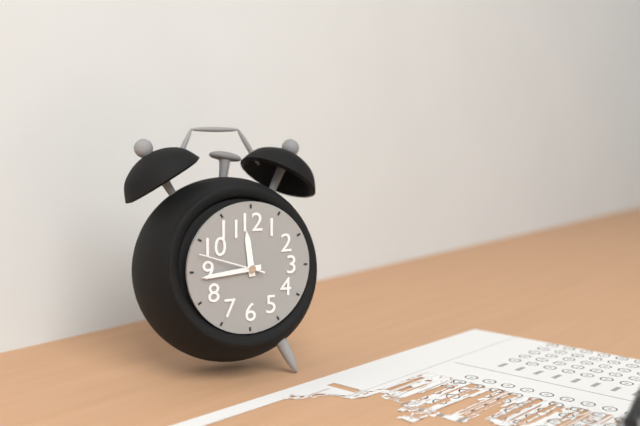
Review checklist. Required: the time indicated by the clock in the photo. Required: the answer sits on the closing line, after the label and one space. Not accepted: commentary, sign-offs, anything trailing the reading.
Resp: 11:44:48
